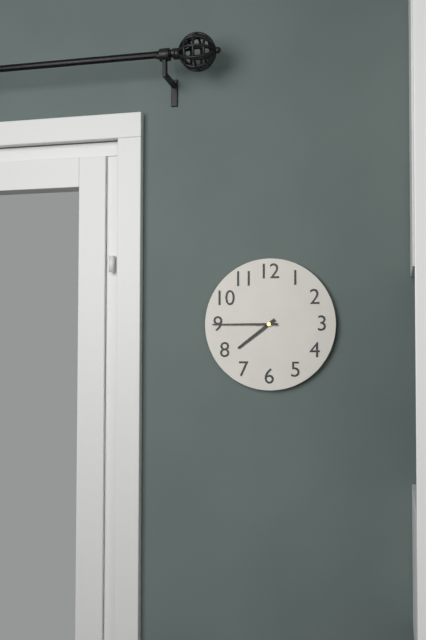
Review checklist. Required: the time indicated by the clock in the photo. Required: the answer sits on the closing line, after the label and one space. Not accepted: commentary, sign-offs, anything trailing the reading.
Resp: 7:45
